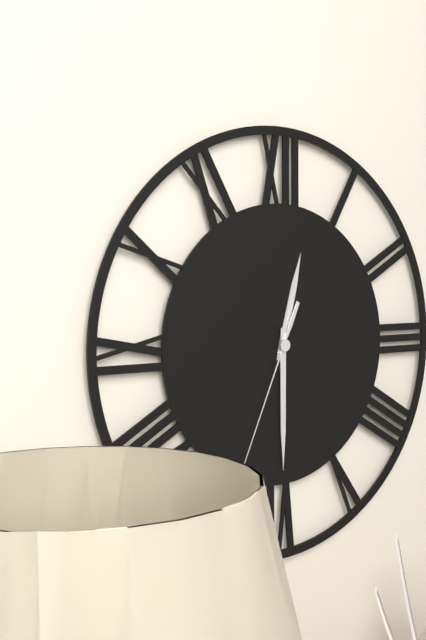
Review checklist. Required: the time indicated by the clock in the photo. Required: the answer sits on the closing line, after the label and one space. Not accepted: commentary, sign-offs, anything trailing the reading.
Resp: 12:30:34
